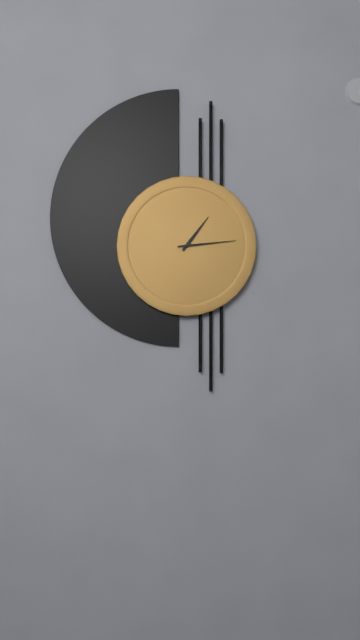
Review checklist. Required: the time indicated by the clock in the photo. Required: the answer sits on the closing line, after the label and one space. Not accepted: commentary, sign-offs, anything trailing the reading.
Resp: 1:14
